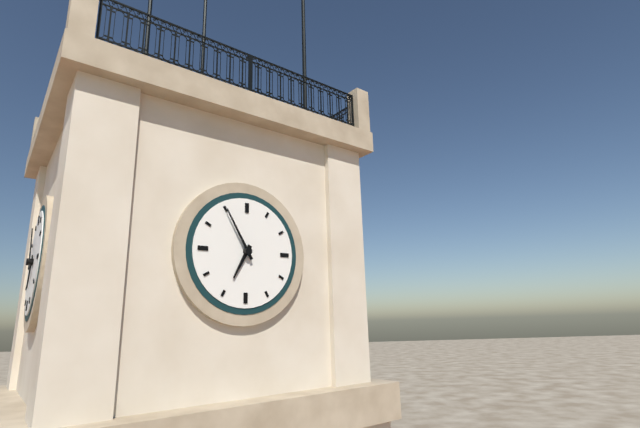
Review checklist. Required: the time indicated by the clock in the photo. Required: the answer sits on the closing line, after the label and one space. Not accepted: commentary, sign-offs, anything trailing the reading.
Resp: 6:55
